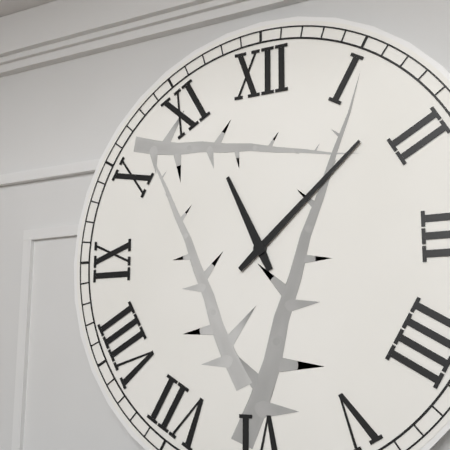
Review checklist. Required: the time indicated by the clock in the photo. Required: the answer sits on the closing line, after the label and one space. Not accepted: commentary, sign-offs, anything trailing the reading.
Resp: 11:08
